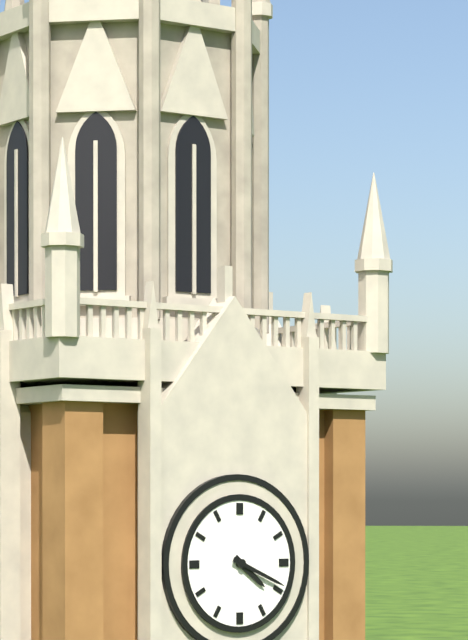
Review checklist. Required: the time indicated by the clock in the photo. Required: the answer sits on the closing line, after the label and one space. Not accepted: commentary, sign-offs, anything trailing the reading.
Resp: 4:19
